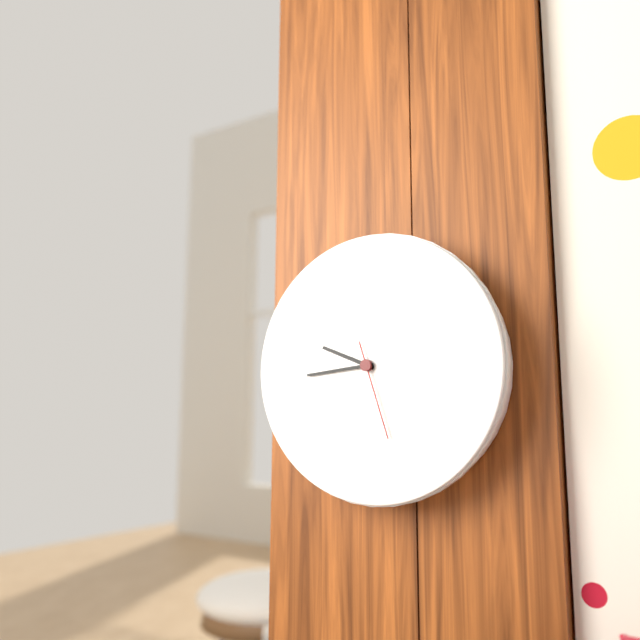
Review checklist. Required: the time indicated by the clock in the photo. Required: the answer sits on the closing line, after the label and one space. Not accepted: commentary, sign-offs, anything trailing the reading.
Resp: 9:44:27
